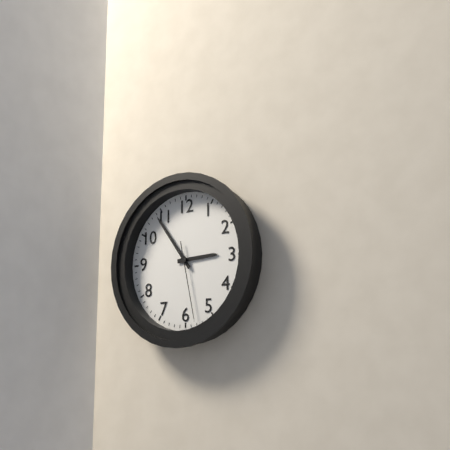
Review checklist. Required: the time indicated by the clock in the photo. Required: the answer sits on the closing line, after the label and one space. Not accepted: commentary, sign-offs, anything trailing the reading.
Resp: 2:54:28
